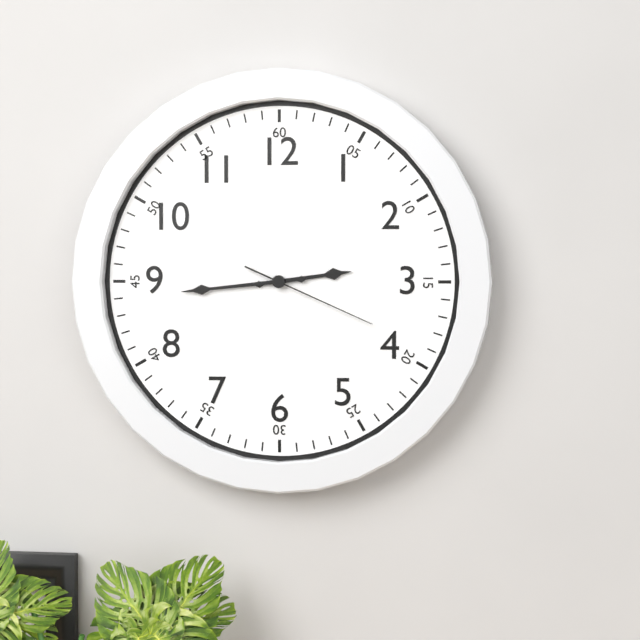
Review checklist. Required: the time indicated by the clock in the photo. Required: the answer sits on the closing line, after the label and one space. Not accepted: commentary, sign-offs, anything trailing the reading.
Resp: 2:44:19
